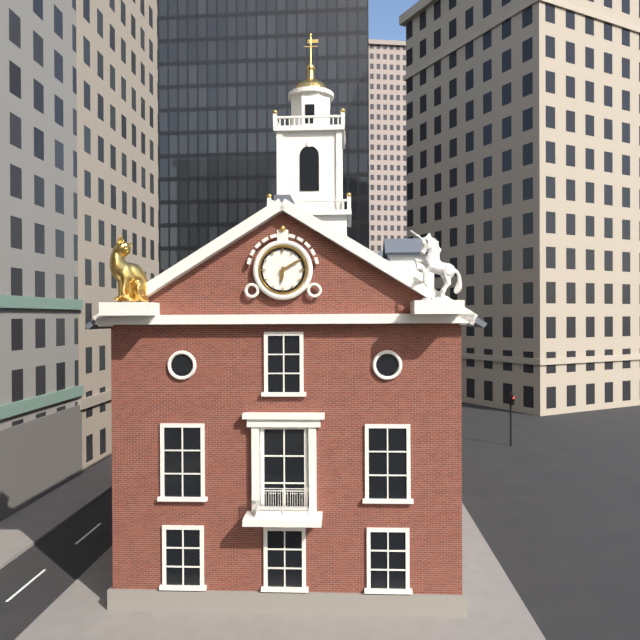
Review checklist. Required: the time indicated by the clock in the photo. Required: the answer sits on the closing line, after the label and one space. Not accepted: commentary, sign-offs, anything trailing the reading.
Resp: 6:10
